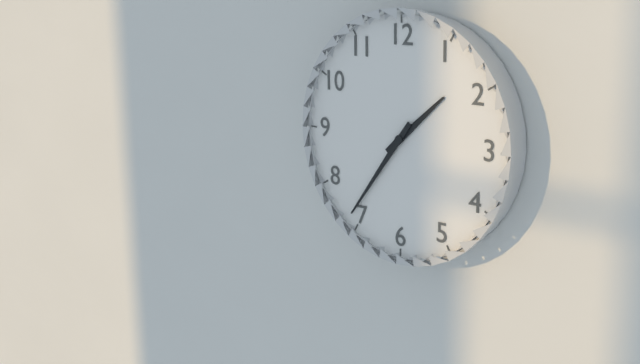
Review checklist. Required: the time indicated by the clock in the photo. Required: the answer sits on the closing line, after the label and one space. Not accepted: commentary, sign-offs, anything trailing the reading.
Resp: 1:36
